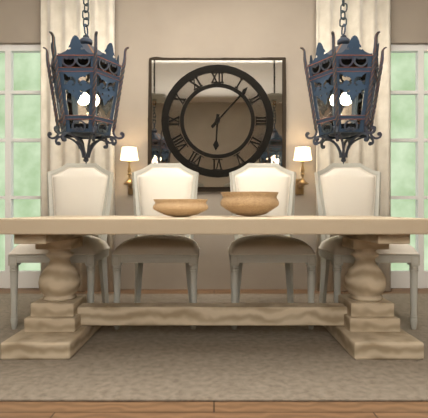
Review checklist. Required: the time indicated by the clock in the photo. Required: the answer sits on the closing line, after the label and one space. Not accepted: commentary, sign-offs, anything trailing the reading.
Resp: 6:07
